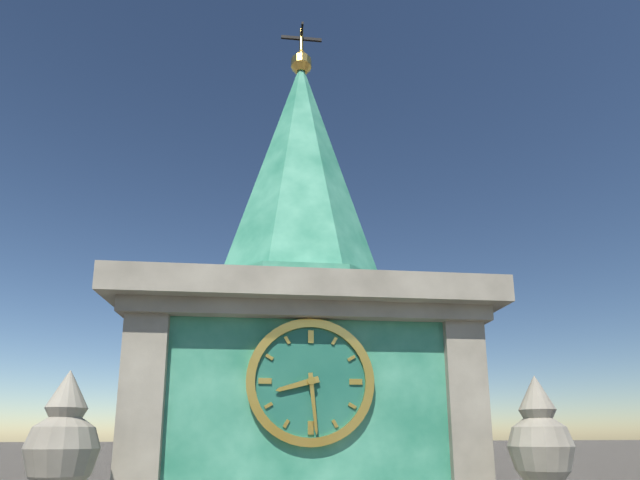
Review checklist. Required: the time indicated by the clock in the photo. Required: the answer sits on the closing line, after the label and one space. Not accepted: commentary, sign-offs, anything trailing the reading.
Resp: 8:29
